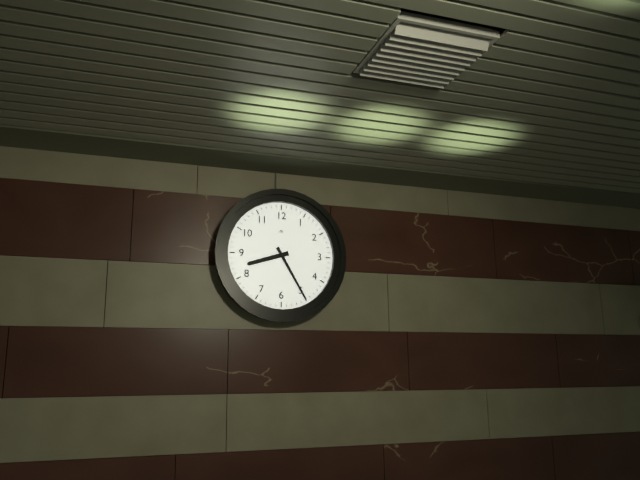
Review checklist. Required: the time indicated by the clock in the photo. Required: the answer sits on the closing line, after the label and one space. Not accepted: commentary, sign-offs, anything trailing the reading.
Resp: 8:25
